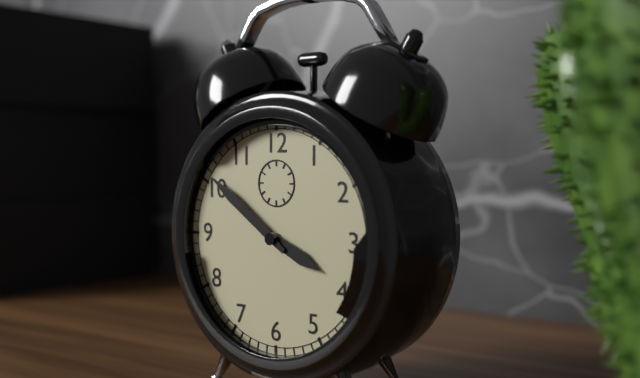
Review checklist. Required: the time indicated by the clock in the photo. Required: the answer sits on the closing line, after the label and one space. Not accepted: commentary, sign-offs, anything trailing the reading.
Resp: 3:51
